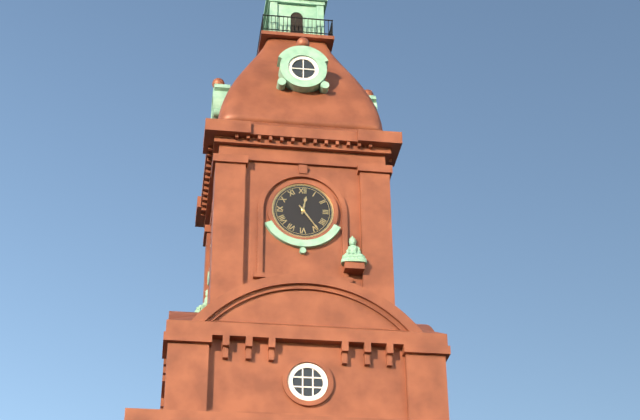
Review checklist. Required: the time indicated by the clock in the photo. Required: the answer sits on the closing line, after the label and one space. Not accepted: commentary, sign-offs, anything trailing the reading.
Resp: 12:24
